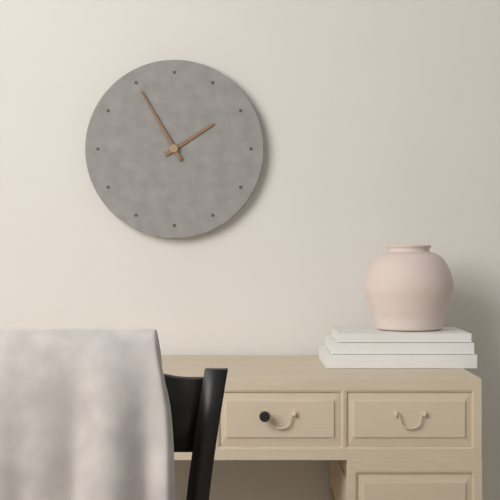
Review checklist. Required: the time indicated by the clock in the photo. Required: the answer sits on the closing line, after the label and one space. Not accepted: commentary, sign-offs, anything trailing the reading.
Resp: 1:55
